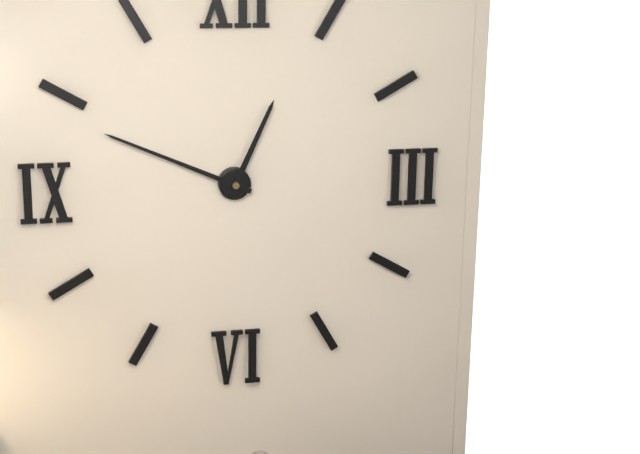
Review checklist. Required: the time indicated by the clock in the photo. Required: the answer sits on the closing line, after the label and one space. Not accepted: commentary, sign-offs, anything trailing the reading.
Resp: 12:49
